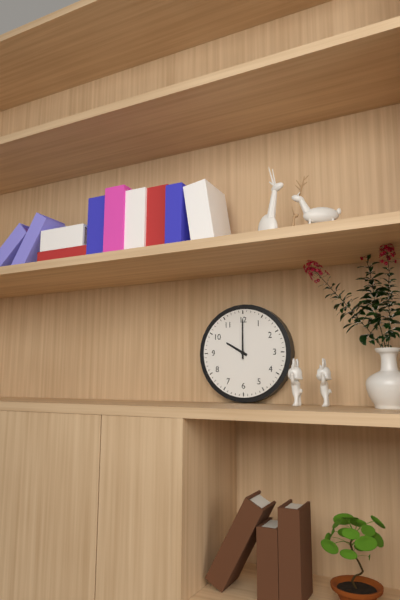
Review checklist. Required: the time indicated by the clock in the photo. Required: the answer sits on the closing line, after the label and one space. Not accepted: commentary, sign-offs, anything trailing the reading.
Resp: 10:00
